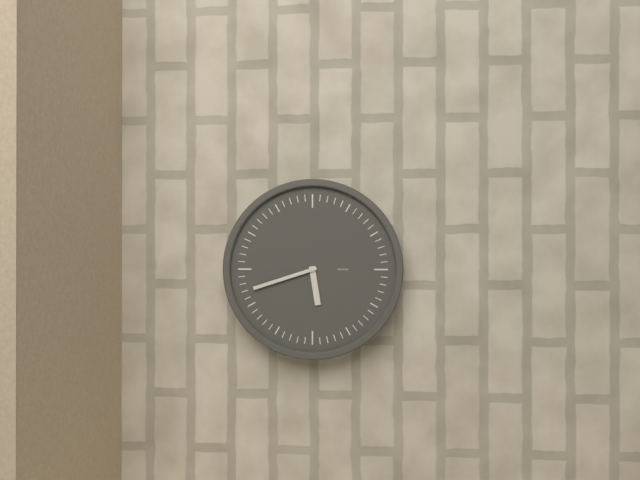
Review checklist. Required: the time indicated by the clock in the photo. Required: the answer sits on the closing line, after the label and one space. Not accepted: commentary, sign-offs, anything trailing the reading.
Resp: 5:42
